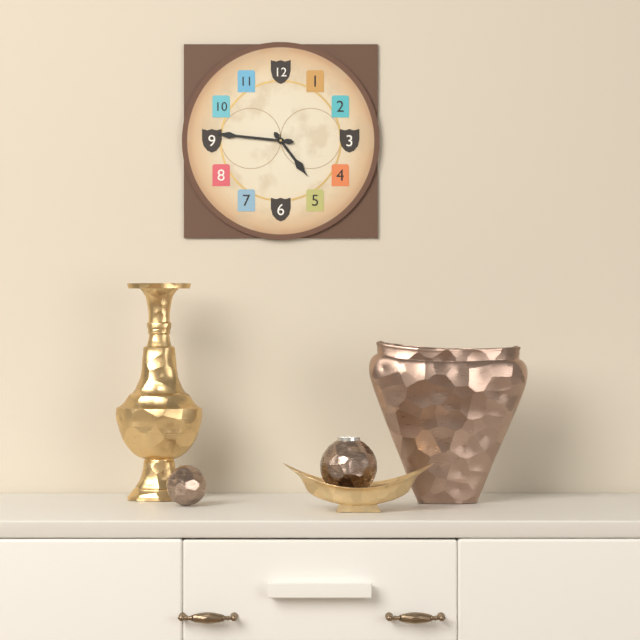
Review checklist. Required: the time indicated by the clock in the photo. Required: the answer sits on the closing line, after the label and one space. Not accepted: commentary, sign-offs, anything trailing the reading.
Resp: 4:46
